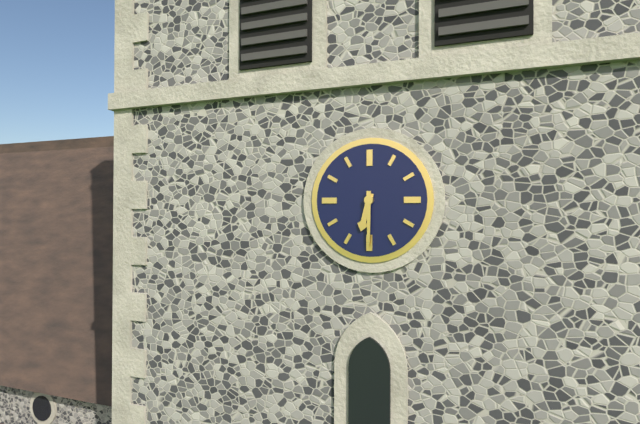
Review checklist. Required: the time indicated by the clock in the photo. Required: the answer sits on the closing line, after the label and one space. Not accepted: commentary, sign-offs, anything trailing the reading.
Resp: 6:30
